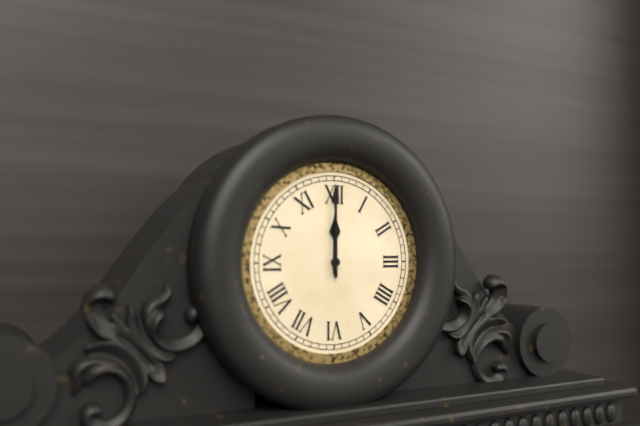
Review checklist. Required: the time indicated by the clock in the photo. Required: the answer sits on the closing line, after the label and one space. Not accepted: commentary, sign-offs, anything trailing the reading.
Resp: 12:00
